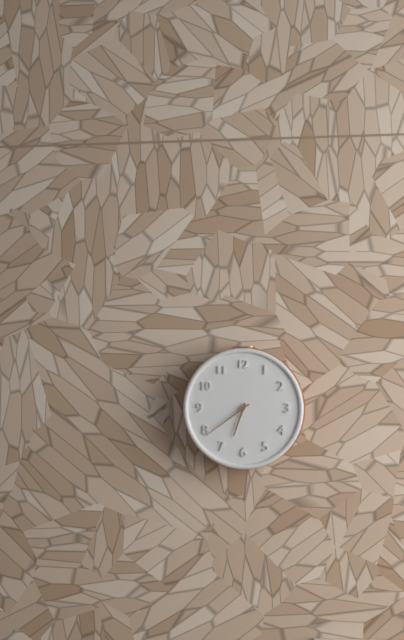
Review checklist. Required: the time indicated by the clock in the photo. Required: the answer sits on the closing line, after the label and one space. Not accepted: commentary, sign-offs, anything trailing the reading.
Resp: 6:39
